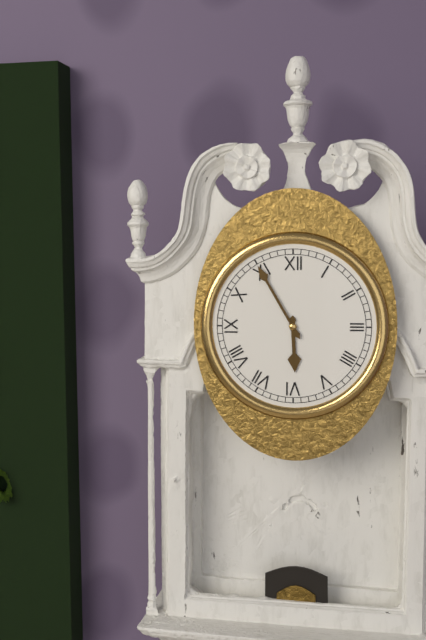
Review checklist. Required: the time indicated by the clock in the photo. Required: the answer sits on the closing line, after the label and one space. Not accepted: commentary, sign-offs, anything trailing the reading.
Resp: 5:55
